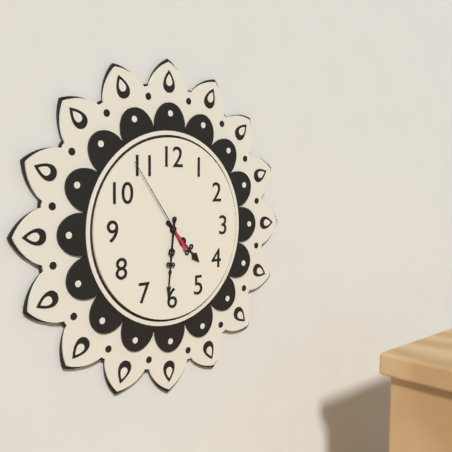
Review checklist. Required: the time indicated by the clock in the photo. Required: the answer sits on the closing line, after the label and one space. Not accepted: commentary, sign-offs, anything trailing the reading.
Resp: 4:31:54
